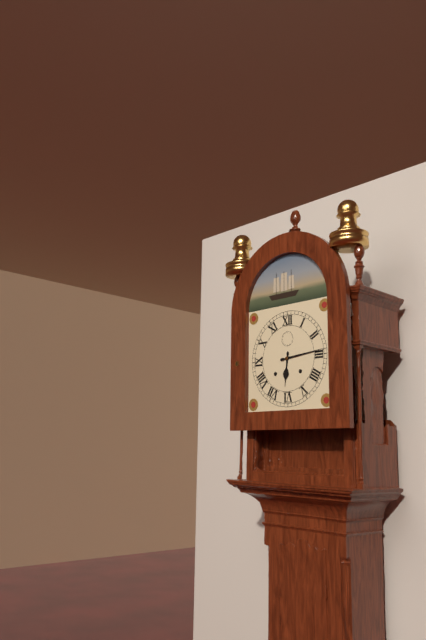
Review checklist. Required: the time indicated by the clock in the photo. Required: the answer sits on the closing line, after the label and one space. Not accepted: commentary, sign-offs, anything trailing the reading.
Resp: 6:14
